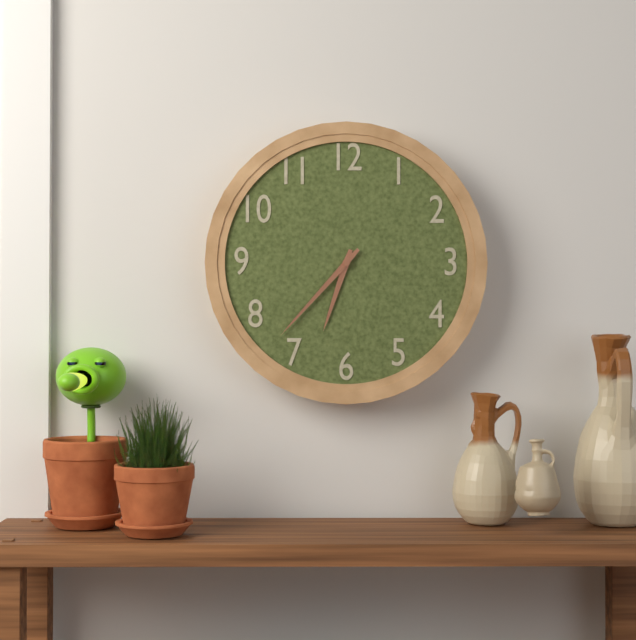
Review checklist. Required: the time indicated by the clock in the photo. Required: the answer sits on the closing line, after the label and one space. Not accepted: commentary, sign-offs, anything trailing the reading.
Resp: 6:37
